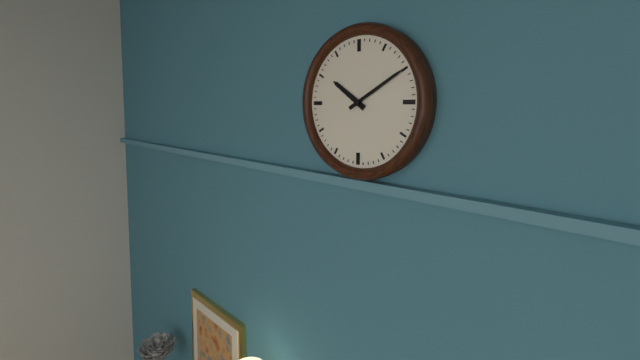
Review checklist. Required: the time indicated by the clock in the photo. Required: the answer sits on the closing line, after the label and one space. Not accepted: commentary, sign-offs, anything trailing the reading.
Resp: 10:10
